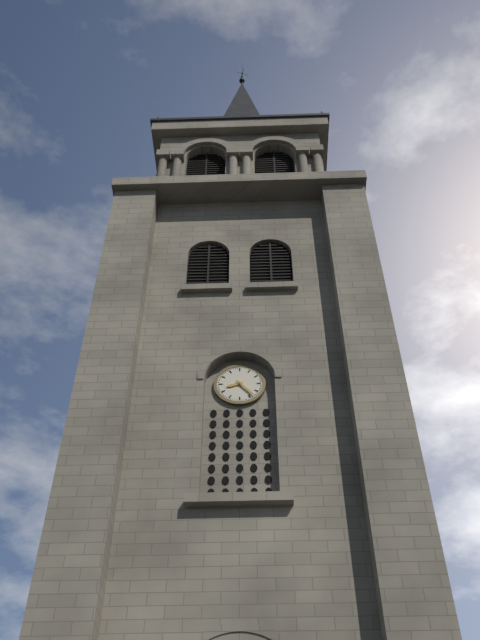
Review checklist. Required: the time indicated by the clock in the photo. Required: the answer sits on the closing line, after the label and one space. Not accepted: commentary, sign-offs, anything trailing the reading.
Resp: 8:23
